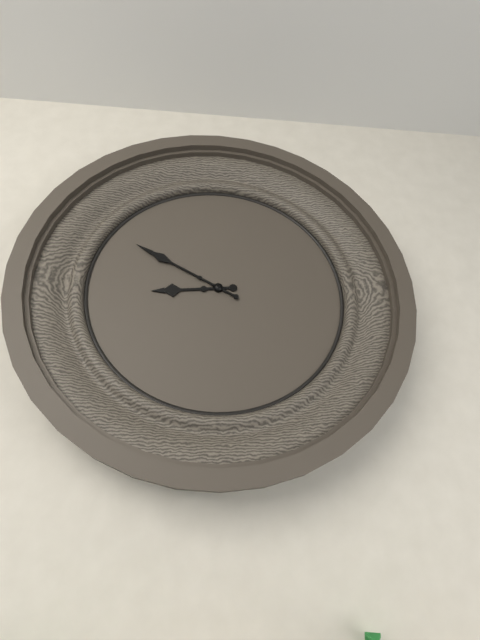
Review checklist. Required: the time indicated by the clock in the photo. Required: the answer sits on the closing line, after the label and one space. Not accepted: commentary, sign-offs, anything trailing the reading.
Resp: 8:50
